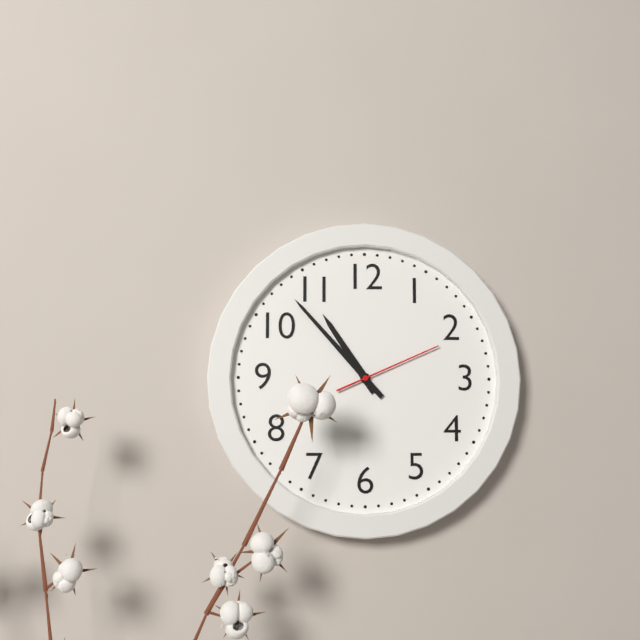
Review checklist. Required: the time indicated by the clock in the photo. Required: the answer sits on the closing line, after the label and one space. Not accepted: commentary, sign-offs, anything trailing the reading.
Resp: 10:53:11
